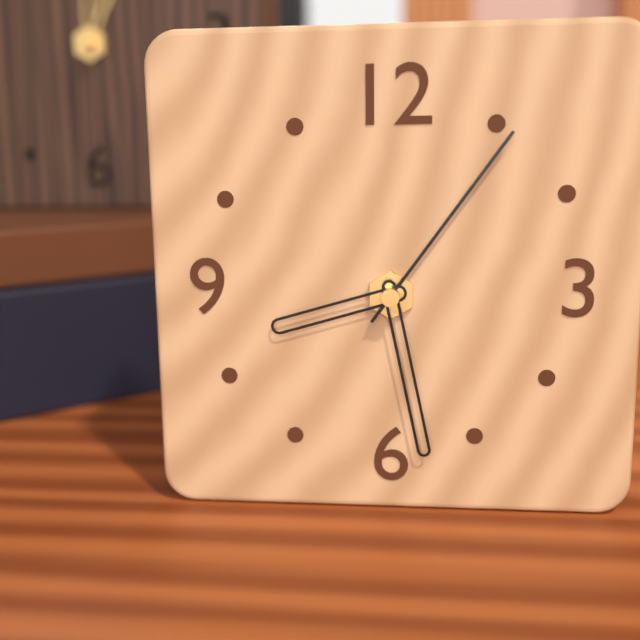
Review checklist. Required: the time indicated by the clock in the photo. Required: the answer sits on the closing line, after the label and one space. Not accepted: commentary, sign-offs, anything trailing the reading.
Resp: 8:28:06
